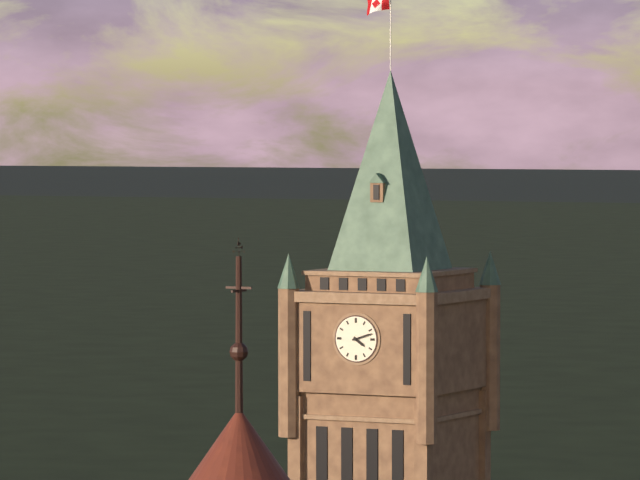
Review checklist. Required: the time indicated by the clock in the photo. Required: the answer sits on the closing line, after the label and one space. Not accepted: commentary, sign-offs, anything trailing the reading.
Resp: 4:12
